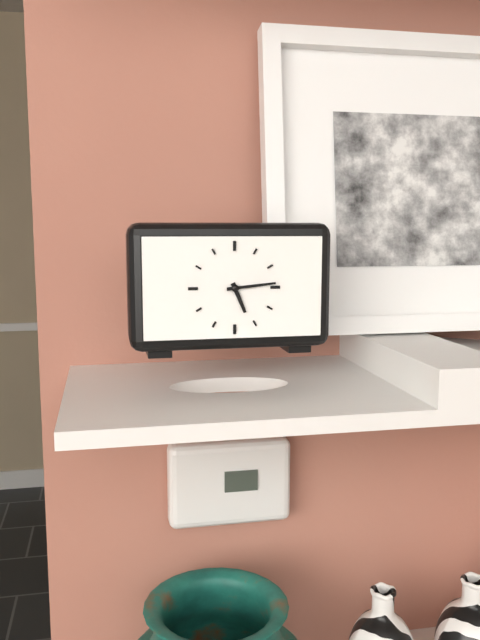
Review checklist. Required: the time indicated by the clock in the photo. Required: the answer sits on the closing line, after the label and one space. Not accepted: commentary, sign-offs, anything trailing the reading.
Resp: 5:14
